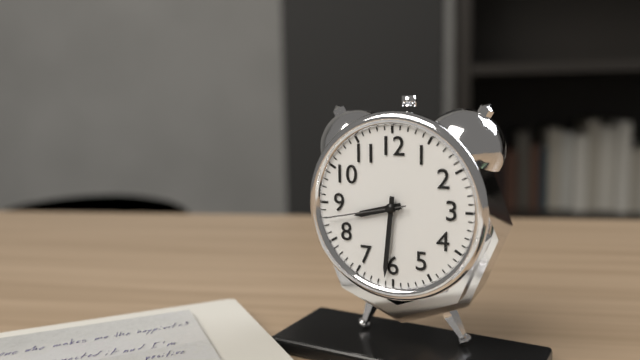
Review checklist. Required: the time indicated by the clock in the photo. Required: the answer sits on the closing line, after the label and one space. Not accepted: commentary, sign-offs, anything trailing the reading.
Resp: 8:31:43
